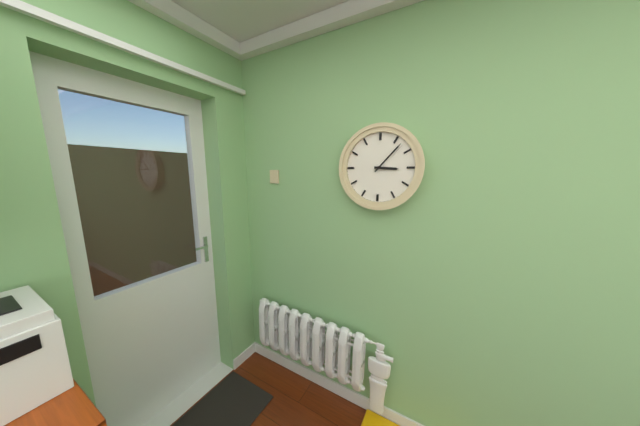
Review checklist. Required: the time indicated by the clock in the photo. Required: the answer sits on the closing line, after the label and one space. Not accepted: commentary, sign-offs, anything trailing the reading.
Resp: 3:07
